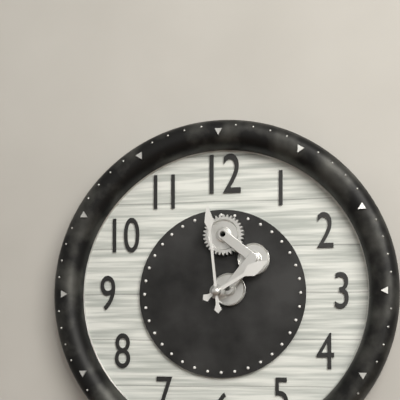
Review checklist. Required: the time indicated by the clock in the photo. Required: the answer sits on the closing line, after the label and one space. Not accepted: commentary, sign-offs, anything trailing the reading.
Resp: 1:59
